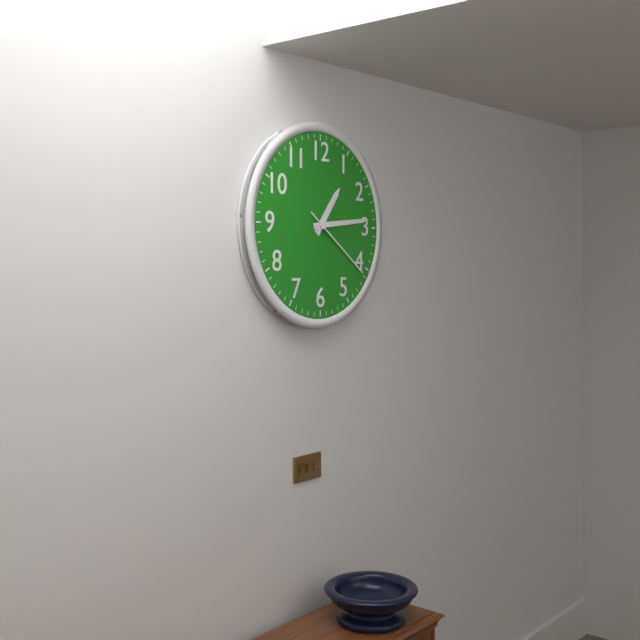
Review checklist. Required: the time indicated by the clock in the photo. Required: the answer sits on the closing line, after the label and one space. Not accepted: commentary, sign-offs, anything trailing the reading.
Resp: 1:14:21
